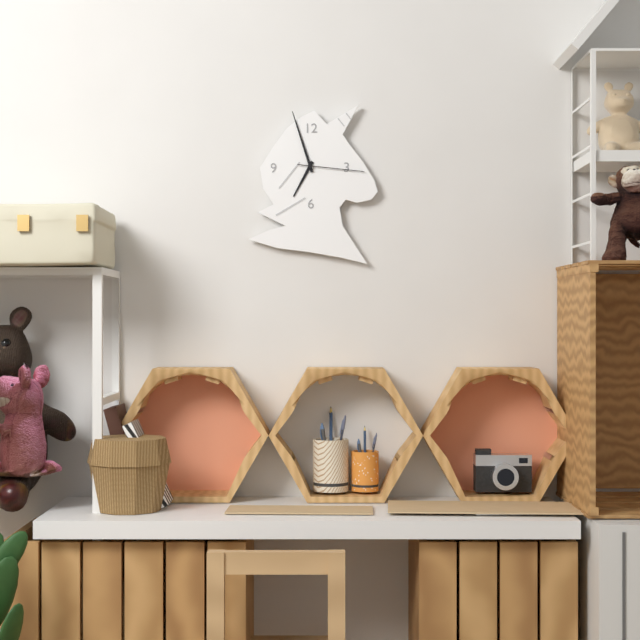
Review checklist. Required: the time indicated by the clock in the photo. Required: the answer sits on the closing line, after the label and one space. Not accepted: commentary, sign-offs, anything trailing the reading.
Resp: 6:57:16
